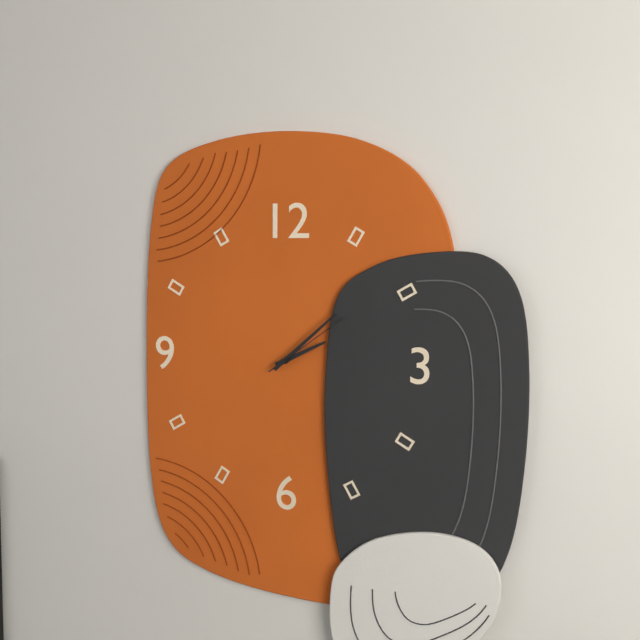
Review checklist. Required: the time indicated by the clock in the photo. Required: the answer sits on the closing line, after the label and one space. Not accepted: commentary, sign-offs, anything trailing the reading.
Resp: 2:08:09
